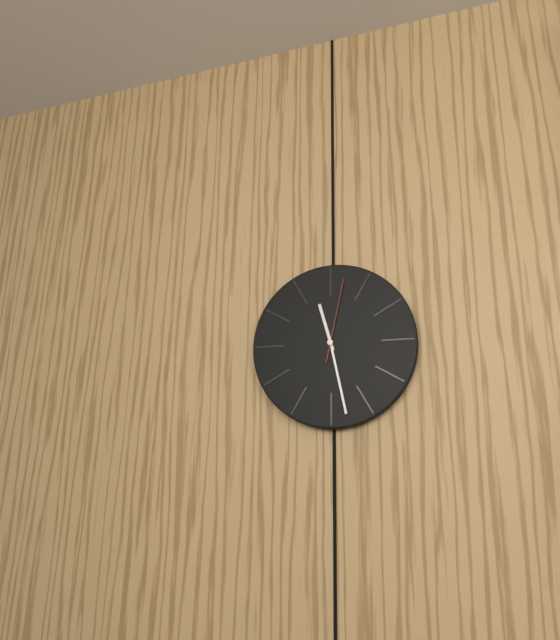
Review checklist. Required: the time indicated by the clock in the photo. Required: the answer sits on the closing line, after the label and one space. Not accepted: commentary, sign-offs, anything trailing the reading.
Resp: 11:28:02
